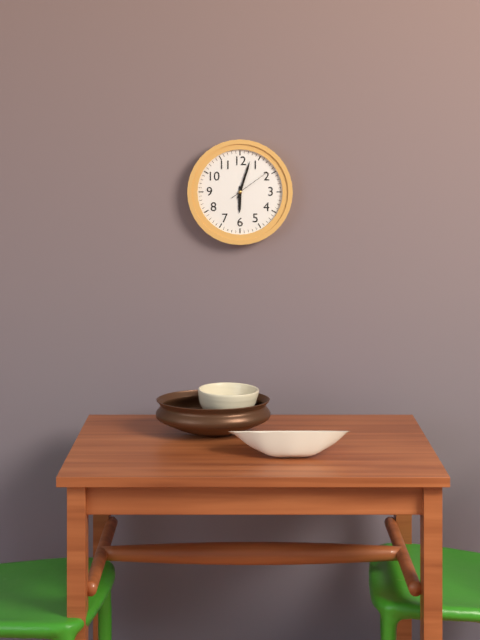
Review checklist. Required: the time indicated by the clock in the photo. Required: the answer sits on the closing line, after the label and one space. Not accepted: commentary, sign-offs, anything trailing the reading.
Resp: 6:03
